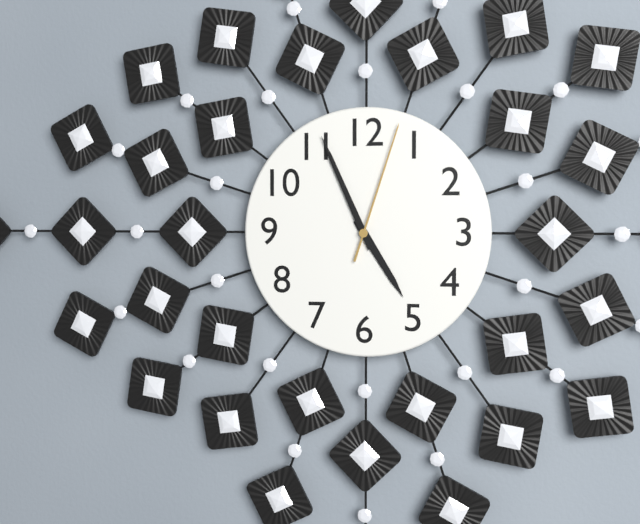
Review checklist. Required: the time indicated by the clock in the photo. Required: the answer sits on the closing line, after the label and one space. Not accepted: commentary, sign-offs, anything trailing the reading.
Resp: 4:56:03
